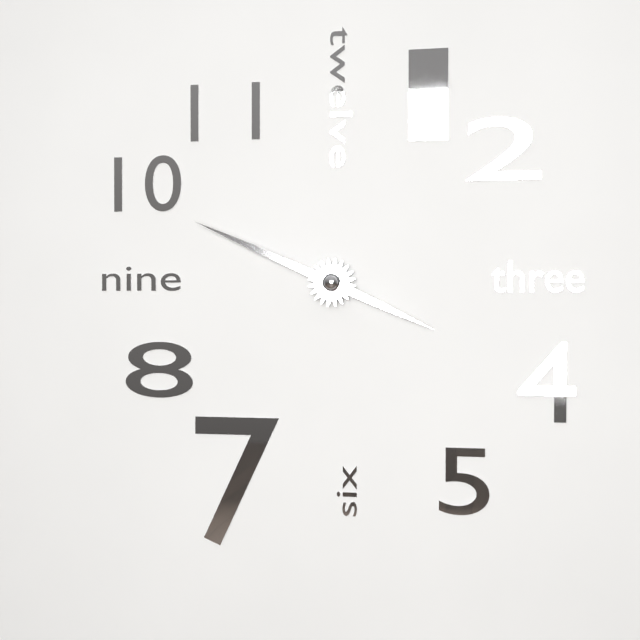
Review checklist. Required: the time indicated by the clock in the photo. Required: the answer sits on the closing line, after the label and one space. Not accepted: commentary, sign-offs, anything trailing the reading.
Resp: 3:49
